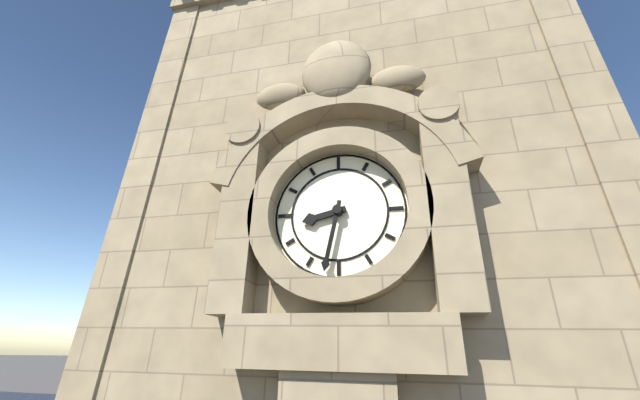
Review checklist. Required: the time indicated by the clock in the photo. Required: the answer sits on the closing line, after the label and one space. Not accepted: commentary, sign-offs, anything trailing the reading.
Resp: 8:32
